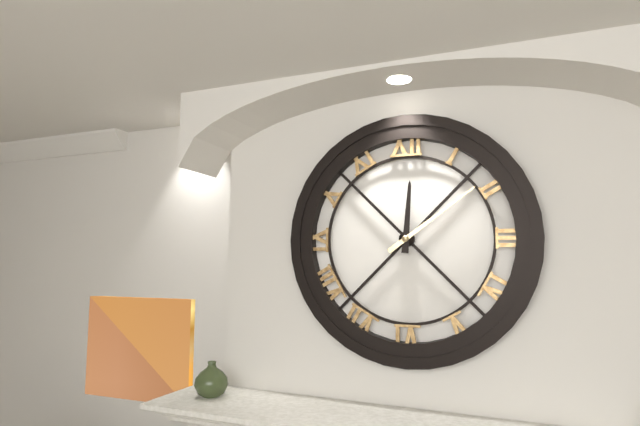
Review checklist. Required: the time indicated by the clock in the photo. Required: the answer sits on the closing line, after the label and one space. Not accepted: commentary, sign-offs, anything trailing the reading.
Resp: 12:09
